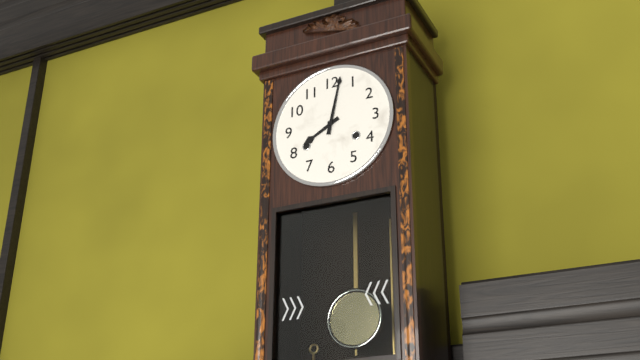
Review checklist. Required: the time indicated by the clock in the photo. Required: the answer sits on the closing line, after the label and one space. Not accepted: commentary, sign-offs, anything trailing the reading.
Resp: 8:02
